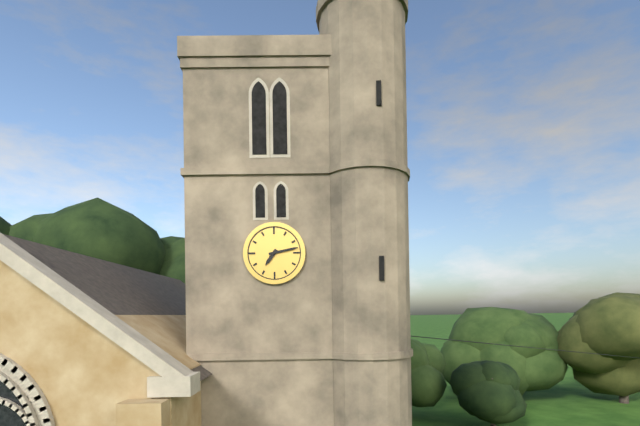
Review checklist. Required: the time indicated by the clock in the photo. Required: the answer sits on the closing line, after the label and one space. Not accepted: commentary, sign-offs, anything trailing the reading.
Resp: 7:13
